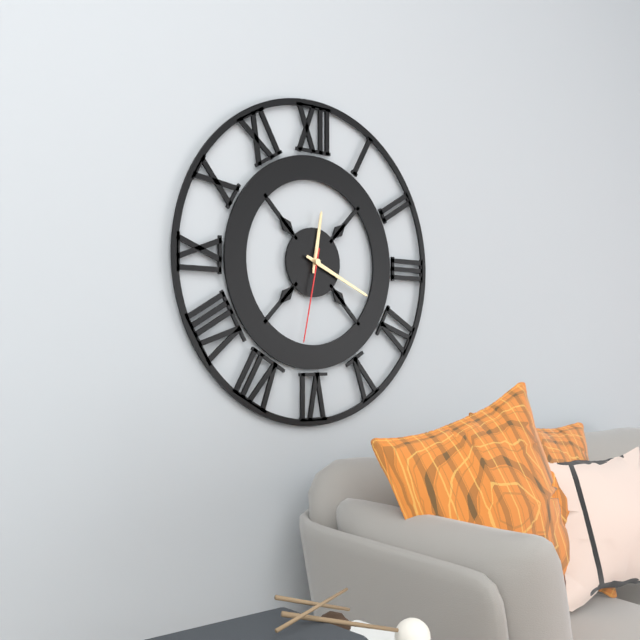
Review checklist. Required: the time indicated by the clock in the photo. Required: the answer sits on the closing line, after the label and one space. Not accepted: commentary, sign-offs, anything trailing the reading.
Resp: 12:19:32
